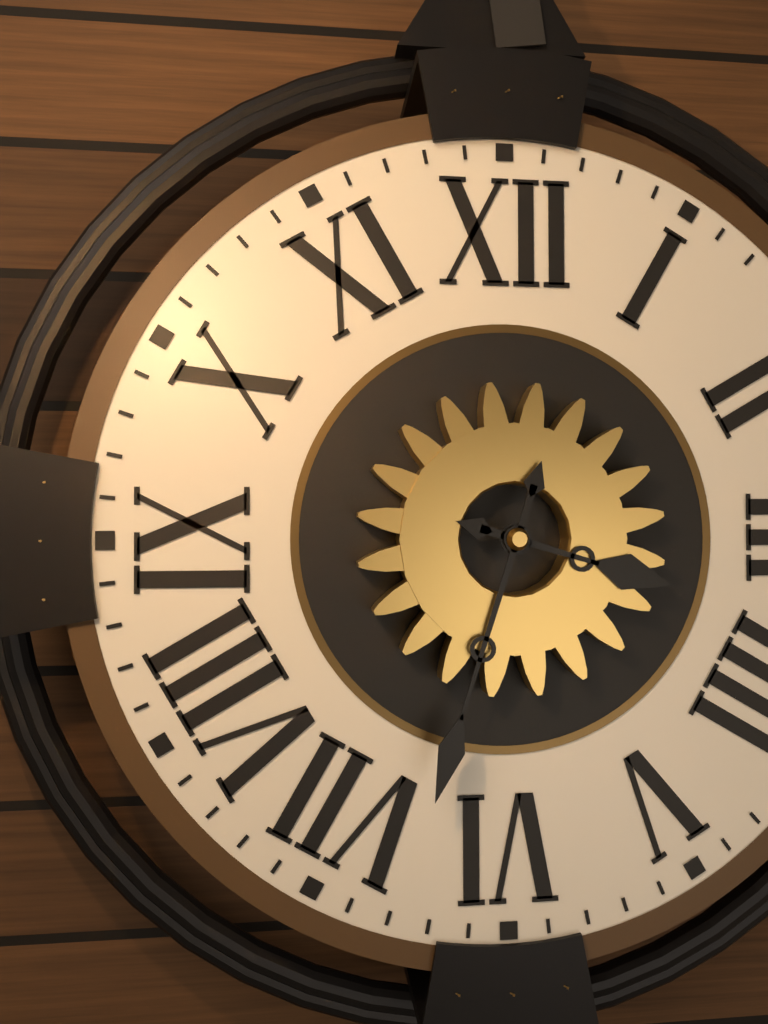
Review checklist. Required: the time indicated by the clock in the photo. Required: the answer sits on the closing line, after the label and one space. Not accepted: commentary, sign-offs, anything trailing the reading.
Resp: 3:33
